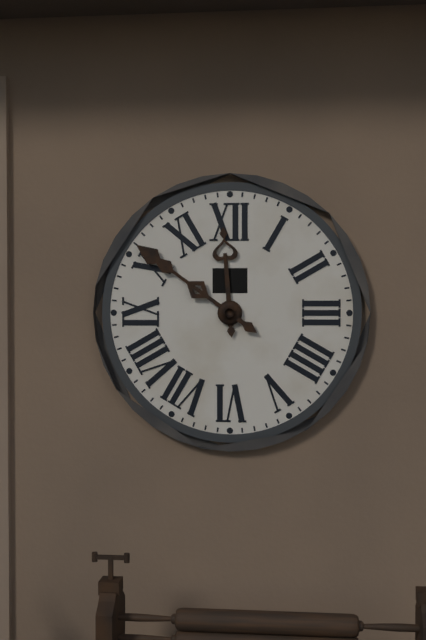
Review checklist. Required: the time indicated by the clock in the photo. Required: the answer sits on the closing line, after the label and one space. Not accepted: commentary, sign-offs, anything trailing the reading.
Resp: 11:51
